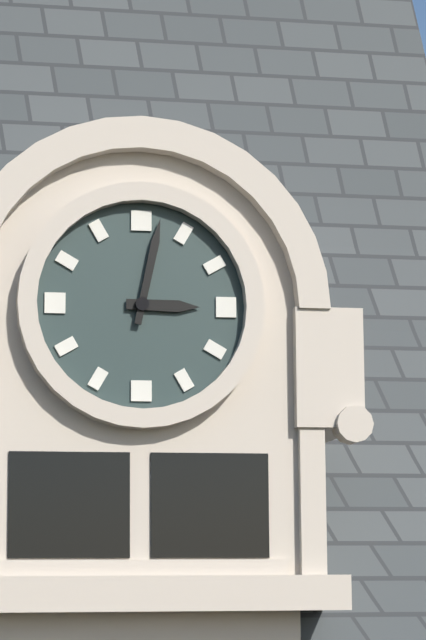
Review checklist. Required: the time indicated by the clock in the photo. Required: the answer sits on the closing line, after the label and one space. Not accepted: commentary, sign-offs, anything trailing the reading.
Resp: 3:02
